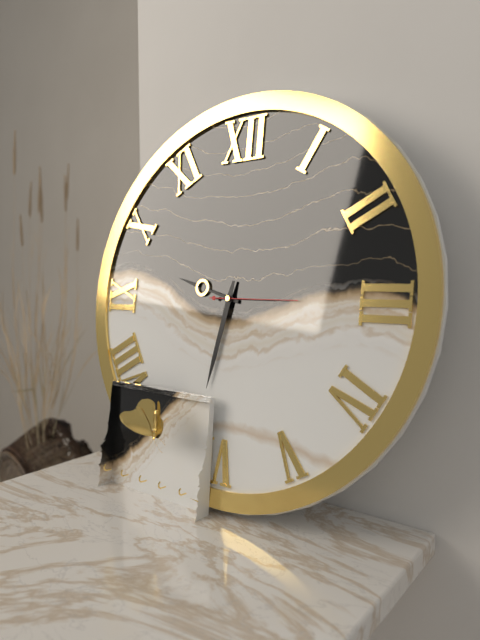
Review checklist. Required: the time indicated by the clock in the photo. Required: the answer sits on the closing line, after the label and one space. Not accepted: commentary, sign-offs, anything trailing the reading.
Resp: 9:32:15
